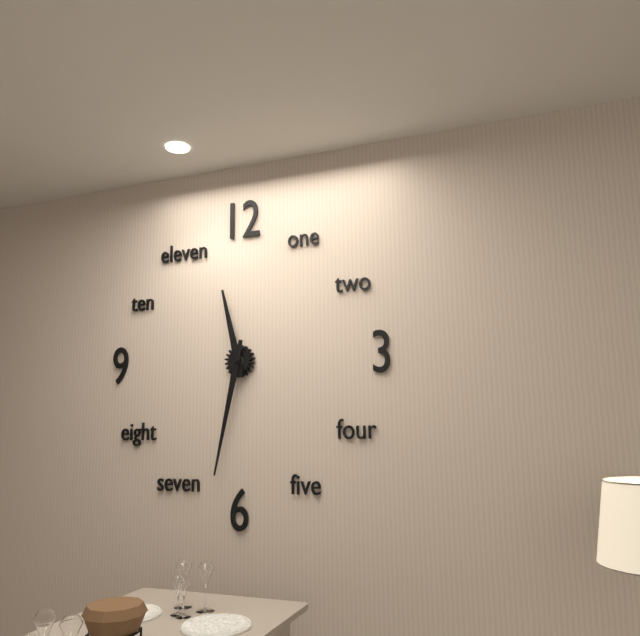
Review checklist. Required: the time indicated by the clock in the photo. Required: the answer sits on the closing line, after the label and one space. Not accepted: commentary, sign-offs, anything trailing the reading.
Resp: 11:32
